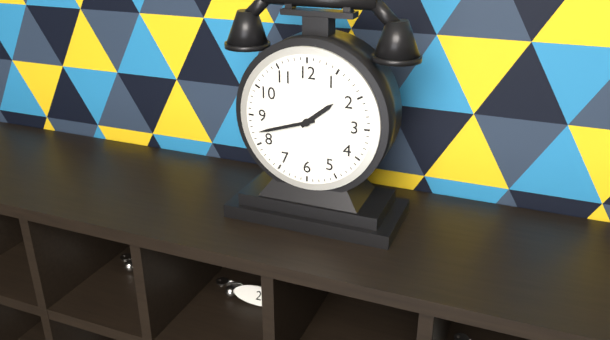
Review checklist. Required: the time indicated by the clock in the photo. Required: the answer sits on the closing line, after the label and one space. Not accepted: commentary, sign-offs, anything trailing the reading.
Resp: 1:42
